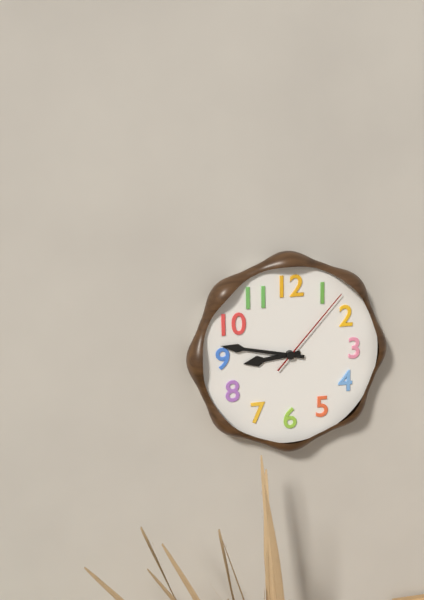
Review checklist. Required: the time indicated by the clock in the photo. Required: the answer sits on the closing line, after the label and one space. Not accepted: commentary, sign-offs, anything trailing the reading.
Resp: 8:47:07
